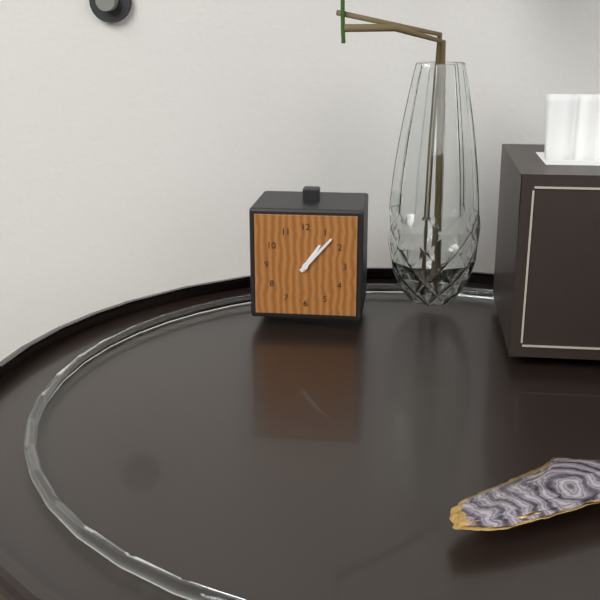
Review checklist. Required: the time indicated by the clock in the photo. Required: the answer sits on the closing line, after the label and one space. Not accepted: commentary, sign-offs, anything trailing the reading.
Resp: 1:07
